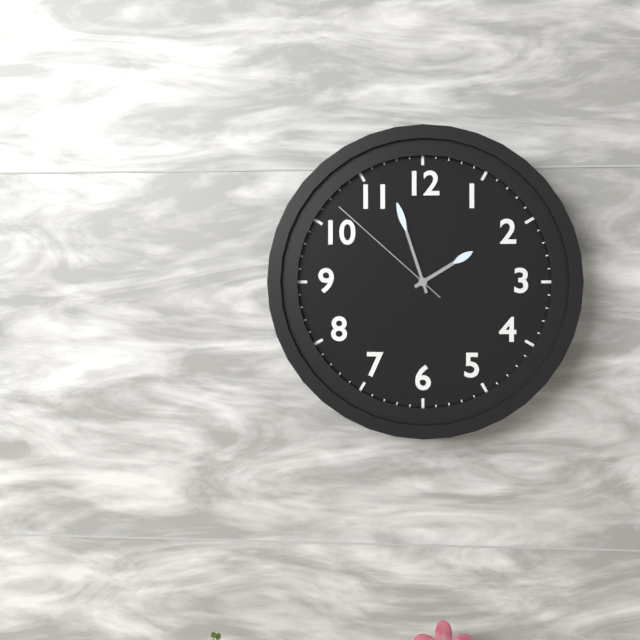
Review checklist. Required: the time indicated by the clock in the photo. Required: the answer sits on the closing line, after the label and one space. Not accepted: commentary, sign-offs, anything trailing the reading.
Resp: 1:57:52
